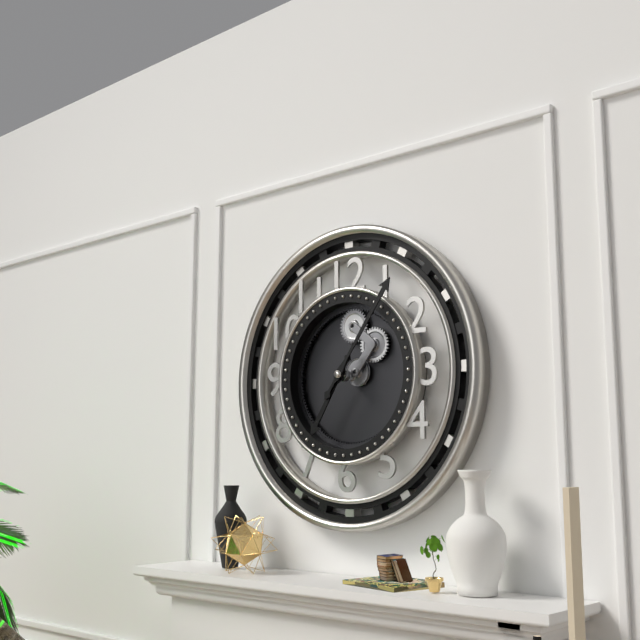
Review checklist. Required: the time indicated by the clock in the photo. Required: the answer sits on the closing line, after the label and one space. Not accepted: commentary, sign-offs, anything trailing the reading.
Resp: 7:06
